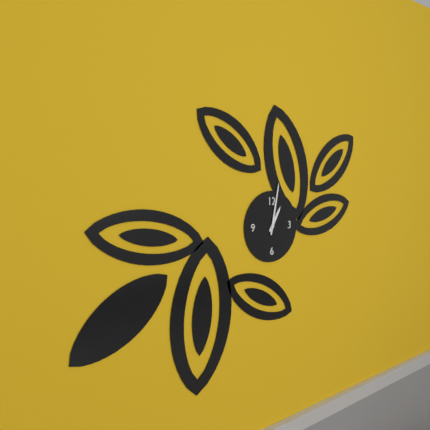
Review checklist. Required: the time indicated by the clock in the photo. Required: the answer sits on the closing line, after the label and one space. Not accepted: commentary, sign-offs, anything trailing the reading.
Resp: 1:02
